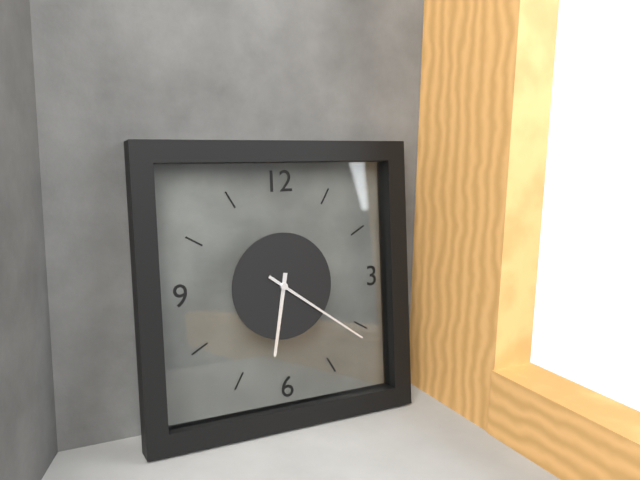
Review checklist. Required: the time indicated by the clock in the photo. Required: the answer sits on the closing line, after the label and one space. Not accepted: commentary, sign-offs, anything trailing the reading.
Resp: 6:21
